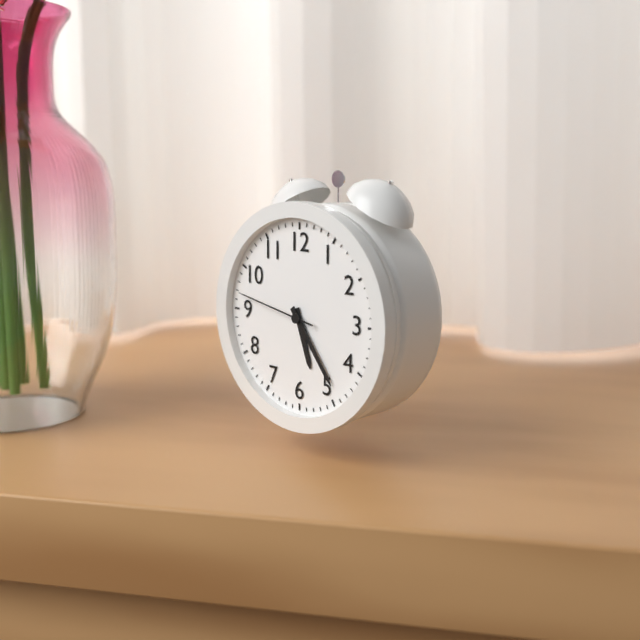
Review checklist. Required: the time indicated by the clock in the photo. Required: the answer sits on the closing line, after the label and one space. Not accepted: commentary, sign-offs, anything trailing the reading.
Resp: 5:24:47
